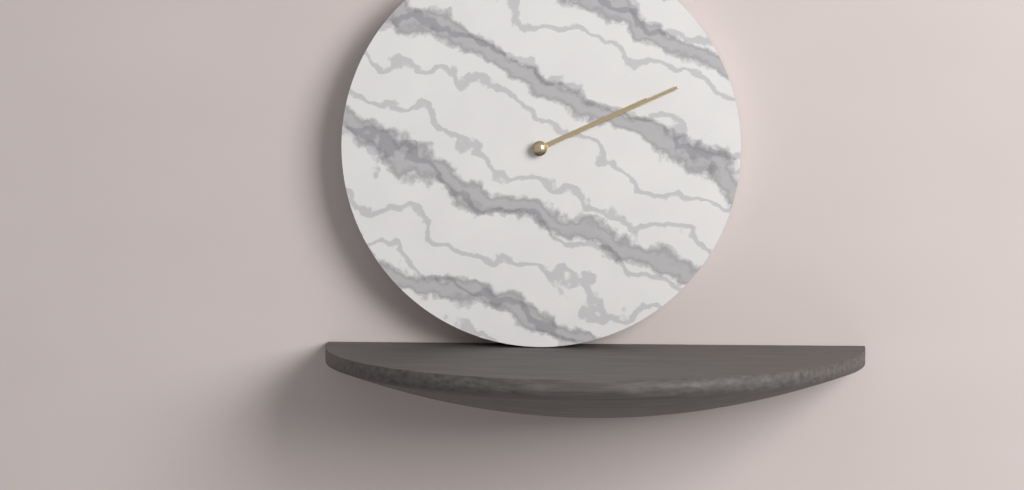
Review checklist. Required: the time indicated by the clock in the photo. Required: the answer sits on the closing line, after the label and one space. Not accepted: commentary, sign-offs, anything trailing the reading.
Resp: 2:11
